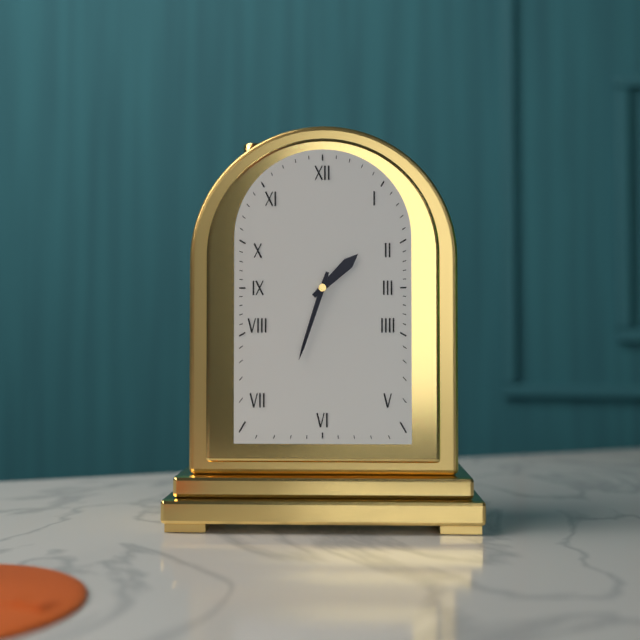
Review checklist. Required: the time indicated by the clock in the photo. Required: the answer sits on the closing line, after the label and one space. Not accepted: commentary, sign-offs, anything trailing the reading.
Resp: 1:33
